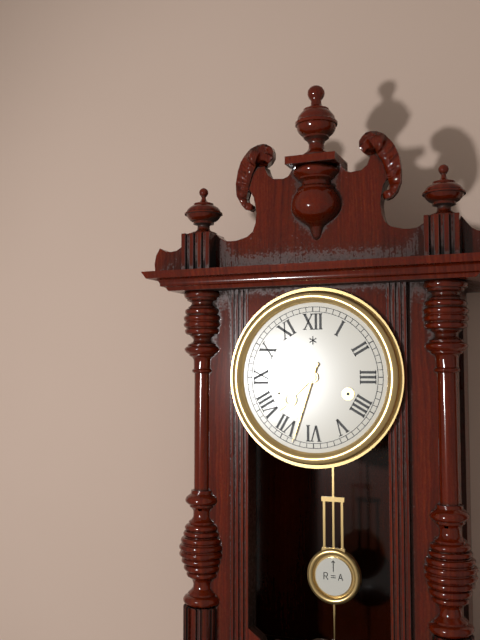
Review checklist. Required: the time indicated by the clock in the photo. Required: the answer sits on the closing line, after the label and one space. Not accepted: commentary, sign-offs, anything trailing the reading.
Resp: 7:33
